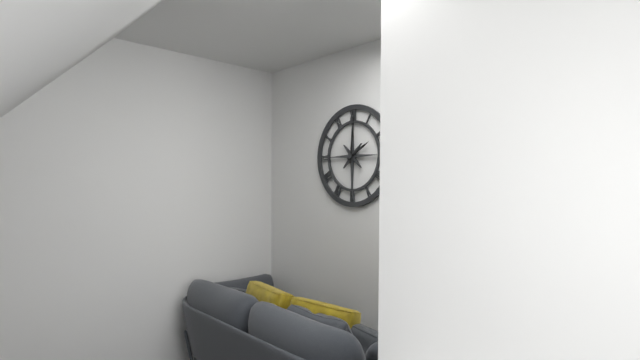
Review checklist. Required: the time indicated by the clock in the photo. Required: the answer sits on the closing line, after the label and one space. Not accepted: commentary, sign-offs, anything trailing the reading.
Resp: 2:01
